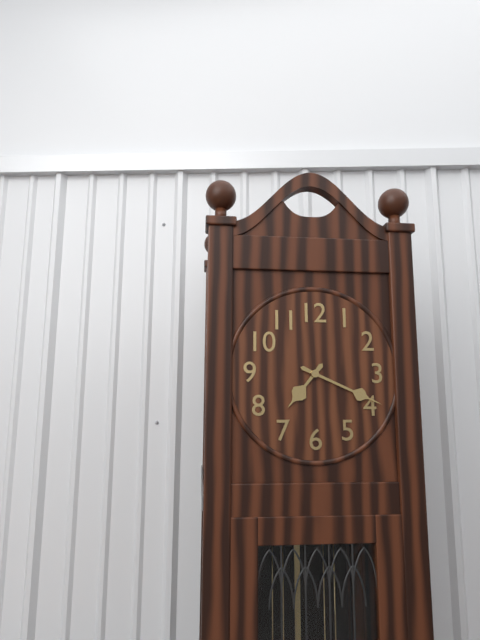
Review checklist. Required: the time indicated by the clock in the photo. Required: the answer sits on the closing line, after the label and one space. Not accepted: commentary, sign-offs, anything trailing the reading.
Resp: 7:19
